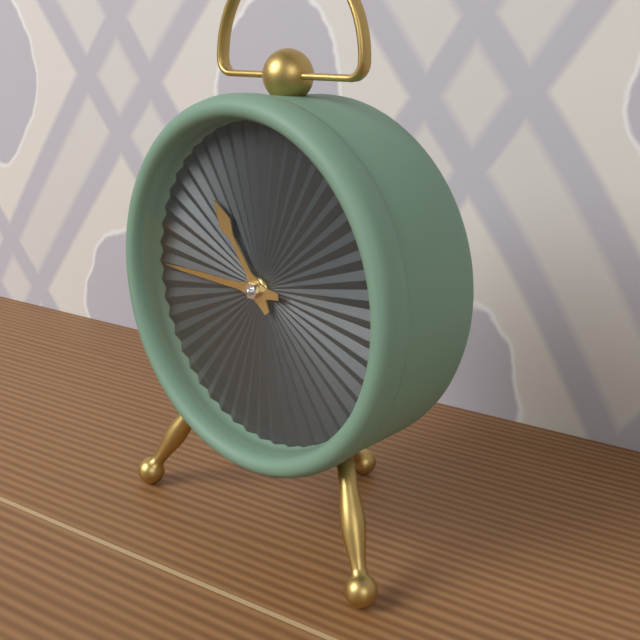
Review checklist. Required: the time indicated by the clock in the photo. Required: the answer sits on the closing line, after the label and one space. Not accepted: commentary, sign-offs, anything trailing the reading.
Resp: 10:45
